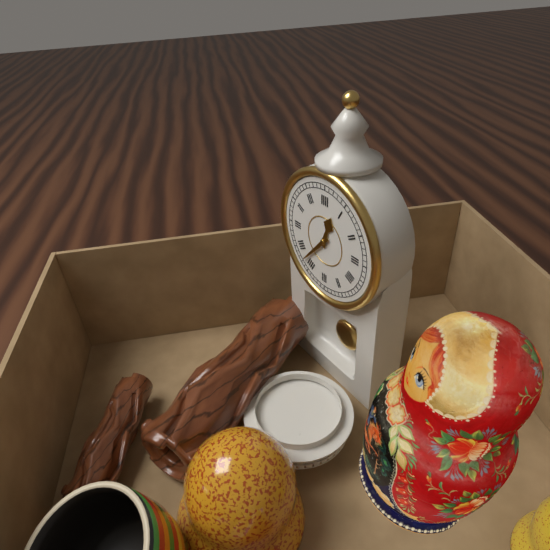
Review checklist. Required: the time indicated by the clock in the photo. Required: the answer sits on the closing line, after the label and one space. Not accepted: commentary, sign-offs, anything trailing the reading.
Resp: 12:37
